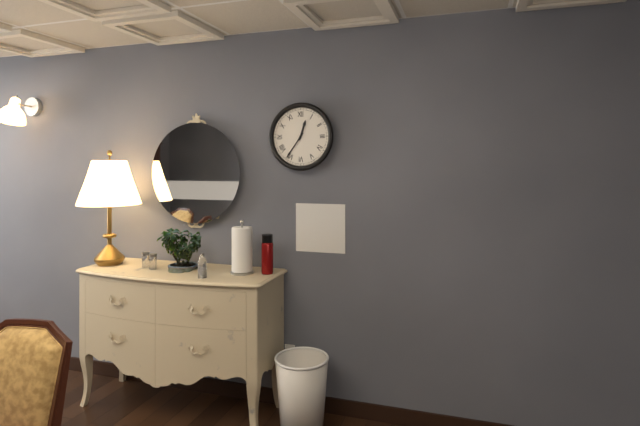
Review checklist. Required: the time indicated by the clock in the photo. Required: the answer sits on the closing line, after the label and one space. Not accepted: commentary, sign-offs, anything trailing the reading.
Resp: 12:36
